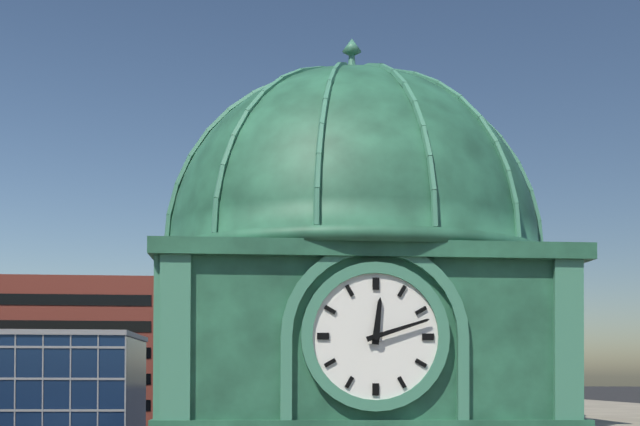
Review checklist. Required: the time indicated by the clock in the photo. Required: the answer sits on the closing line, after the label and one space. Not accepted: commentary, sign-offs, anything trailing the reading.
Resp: 12:12
